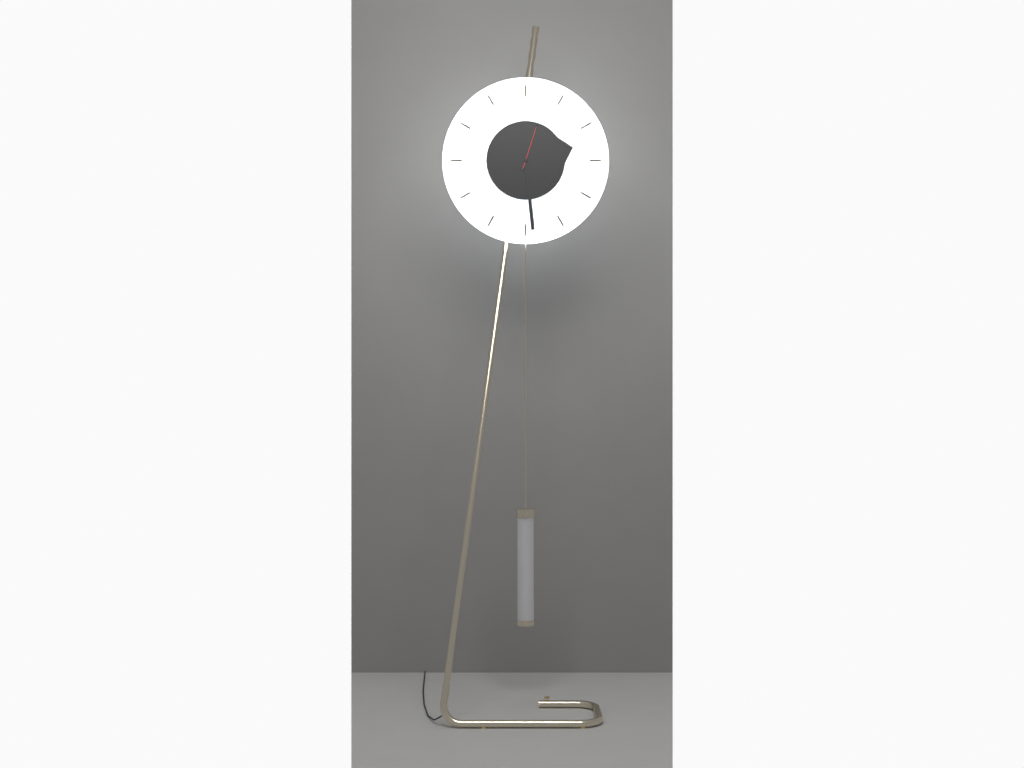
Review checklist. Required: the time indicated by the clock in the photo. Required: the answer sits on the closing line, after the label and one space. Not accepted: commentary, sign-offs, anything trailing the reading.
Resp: 2:29:03
